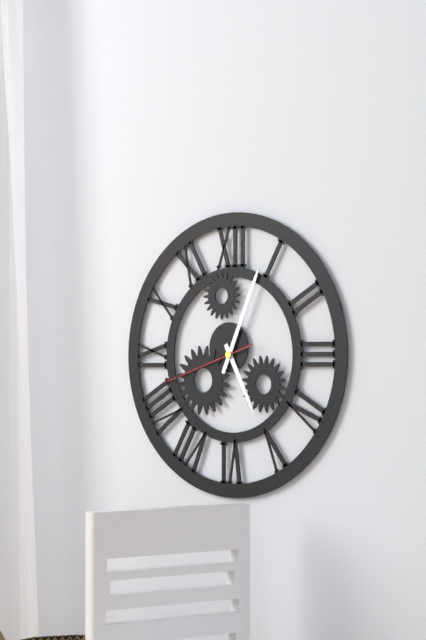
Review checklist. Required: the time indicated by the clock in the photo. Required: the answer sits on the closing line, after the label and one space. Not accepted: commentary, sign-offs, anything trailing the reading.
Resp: 5:04:42
